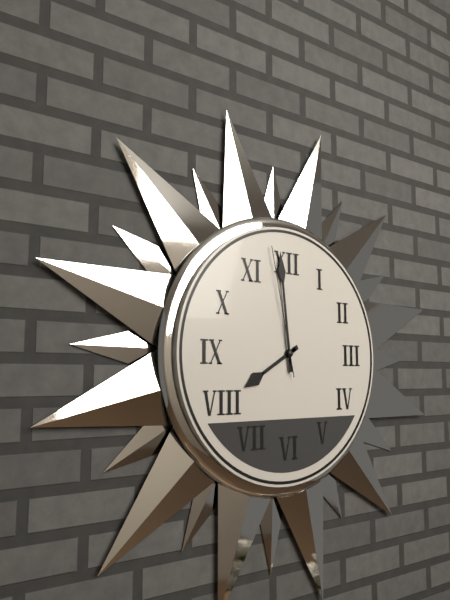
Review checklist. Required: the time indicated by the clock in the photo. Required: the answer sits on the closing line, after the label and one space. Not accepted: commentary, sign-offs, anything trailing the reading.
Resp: 7:59:58
